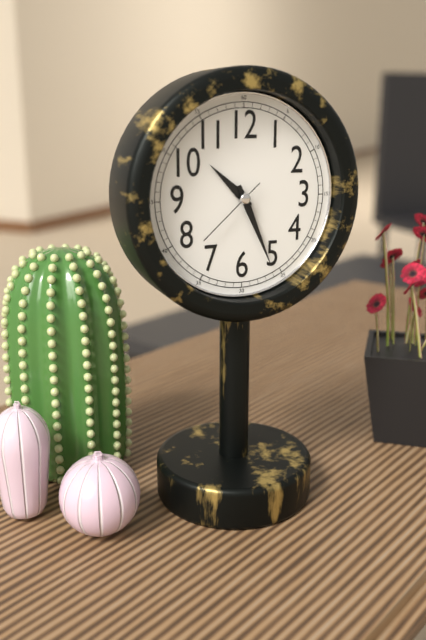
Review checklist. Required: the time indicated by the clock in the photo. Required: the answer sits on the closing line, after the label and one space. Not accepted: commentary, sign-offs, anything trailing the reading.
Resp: 10:26:38
